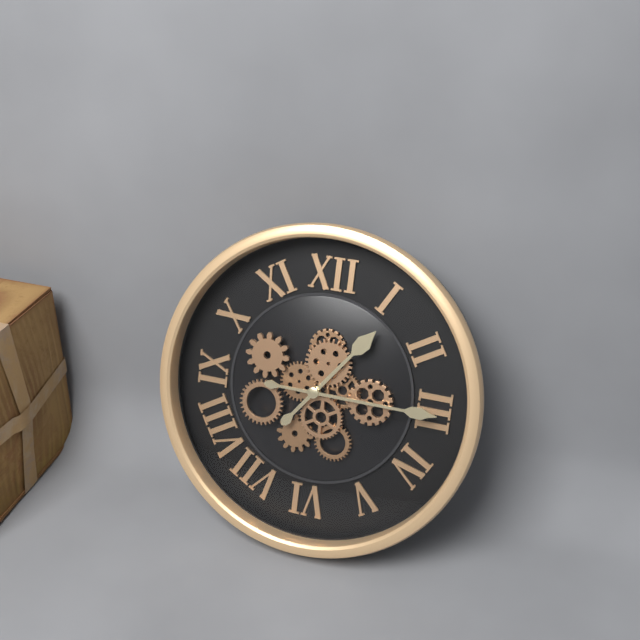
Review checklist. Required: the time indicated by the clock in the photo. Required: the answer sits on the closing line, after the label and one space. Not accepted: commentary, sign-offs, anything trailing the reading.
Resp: 1:15
